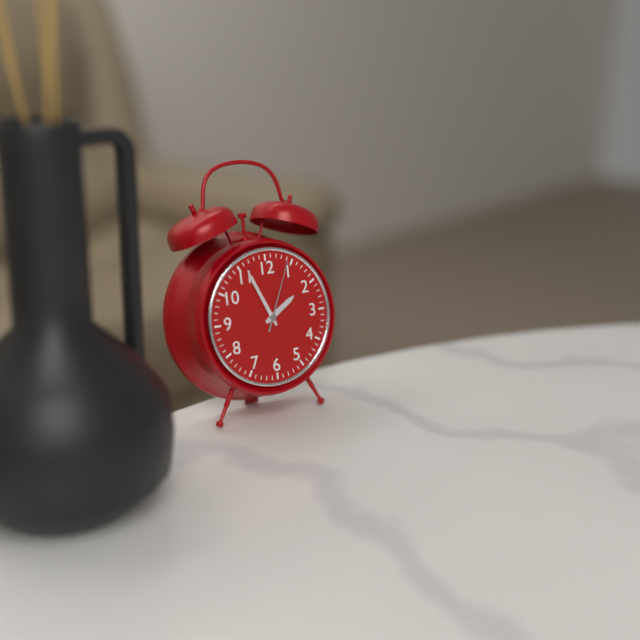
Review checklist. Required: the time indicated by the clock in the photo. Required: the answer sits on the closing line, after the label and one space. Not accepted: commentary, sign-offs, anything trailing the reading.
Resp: 1:56:04
